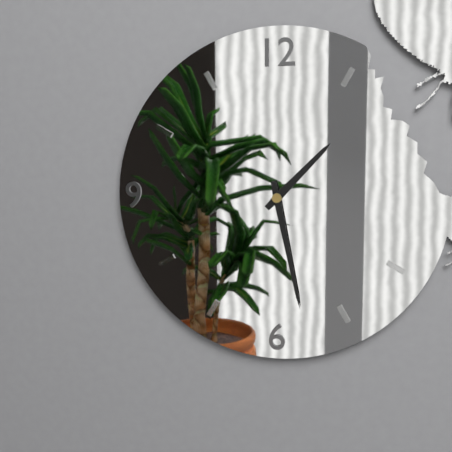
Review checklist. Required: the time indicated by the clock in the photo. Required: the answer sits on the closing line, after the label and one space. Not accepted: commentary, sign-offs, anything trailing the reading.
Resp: 1:28
